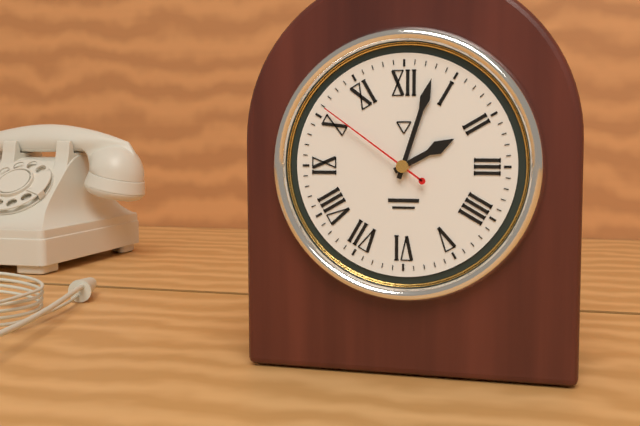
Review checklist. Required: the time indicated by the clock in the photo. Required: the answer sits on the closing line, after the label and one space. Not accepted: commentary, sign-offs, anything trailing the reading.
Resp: 2:03:51
